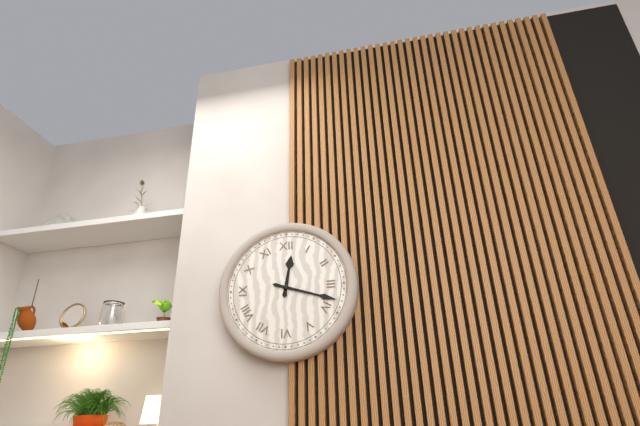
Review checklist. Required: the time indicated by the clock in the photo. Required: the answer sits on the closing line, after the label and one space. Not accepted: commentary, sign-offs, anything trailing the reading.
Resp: 12:18
